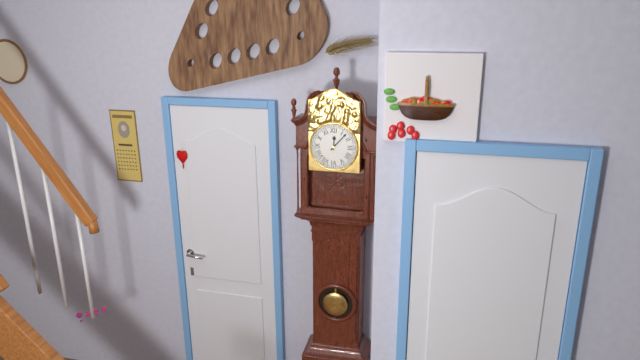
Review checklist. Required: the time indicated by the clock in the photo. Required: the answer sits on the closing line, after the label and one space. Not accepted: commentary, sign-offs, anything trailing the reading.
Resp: 12:07
